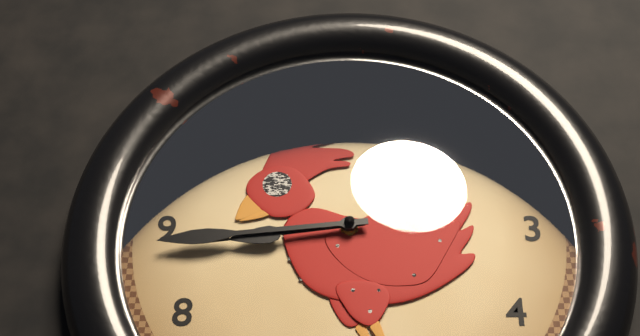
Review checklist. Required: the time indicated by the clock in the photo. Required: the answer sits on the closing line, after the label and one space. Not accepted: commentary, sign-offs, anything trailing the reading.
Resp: 8:44
